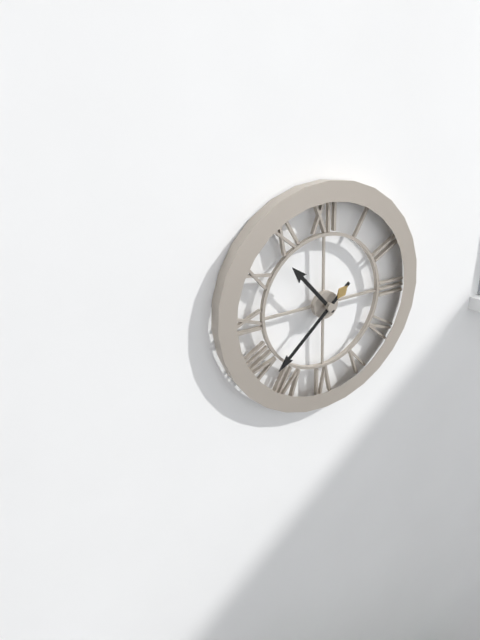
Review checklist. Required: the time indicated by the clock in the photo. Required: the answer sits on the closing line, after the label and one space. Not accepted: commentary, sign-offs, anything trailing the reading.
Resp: 10:38
